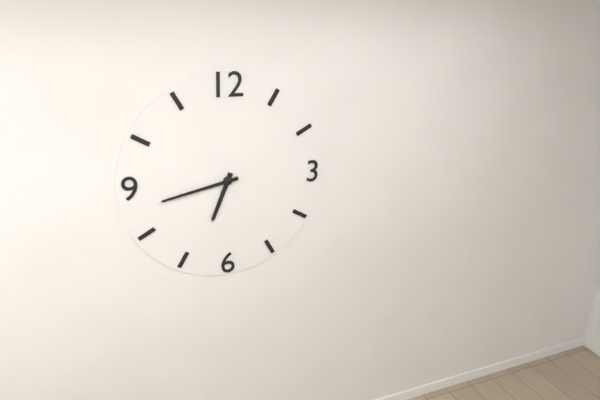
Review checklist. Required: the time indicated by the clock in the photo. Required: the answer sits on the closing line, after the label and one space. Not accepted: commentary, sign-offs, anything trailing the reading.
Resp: 6:43
